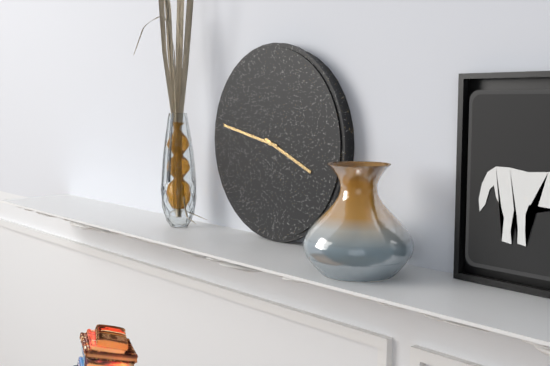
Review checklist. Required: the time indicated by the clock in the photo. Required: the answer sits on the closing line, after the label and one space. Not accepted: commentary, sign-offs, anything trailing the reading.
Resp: 3:47
